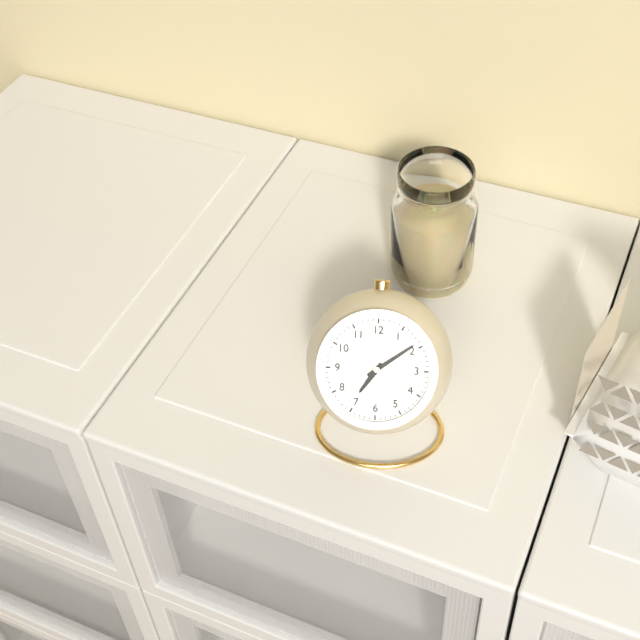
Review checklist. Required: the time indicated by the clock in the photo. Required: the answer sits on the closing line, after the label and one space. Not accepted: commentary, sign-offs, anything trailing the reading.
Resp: 7:09
